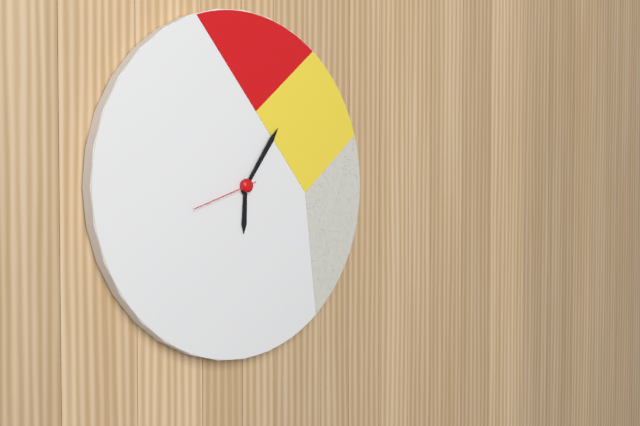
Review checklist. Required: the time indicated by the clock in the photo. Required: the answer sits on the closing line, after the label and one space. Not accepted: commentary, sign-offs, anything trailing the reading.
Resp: 6:06:42
